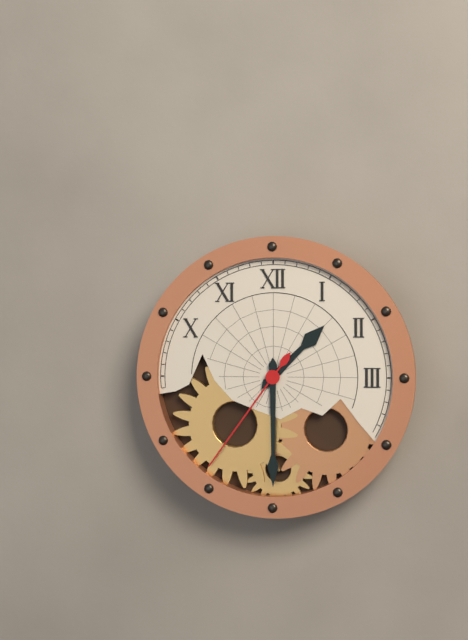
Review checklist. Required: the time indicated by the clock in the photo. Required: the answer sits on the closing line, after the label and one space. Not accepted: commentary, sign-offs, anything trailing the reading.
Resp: 1:30:36
